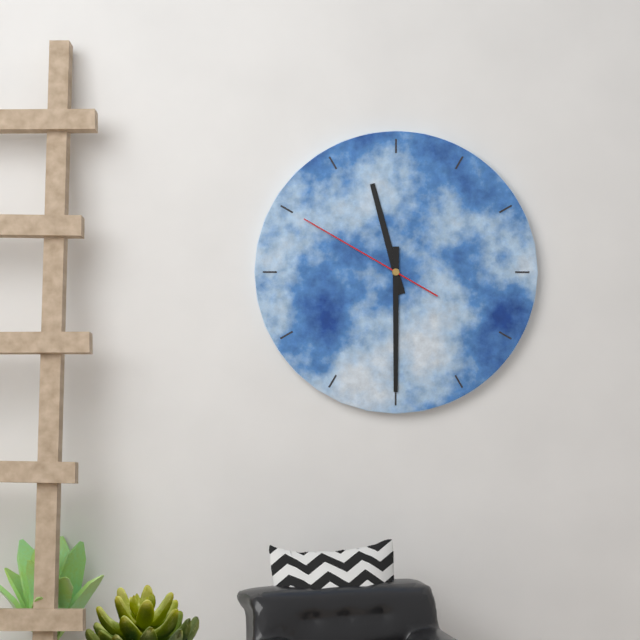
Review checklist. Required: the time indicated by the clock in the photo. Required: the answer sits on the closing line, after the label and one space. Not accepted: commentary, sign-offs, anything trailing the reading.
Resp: 11:30:50
